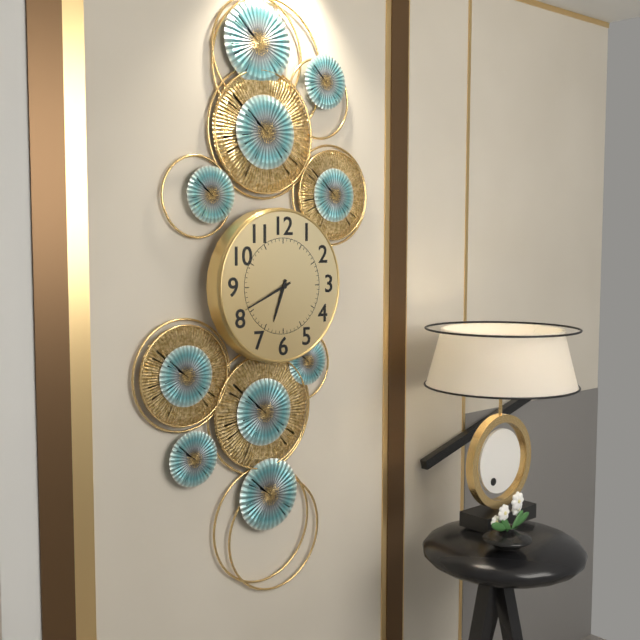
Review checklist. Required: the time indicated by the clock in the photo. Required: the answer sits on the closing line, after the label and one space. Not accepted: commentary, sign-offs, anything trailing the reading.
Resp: 6:41
